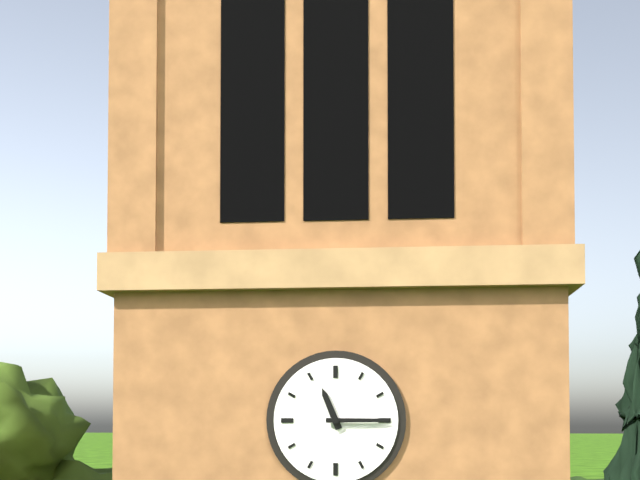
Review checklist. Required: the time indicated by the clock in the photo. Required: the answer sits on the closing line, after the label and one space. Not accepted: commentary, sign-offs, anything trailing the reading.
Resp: 11:15
